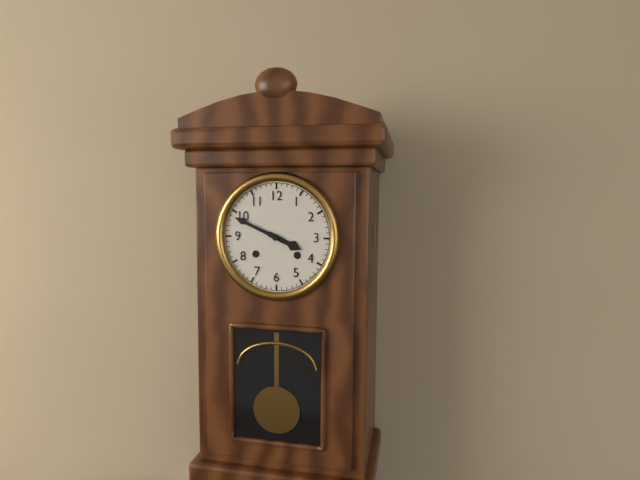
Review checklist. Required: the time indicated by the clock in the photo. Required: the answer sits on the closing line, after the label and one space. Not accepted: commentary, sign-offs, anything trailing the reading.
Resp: 3:49
